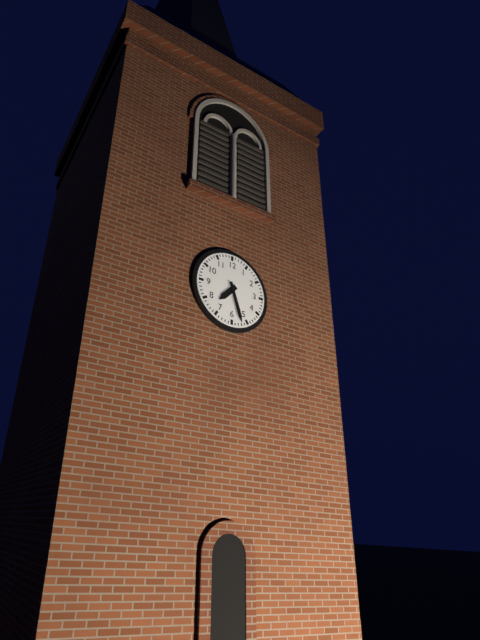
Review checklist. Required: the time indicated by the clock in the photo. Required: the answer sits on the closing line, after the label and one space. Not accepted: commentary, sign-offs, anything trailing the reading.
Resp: 7:27
